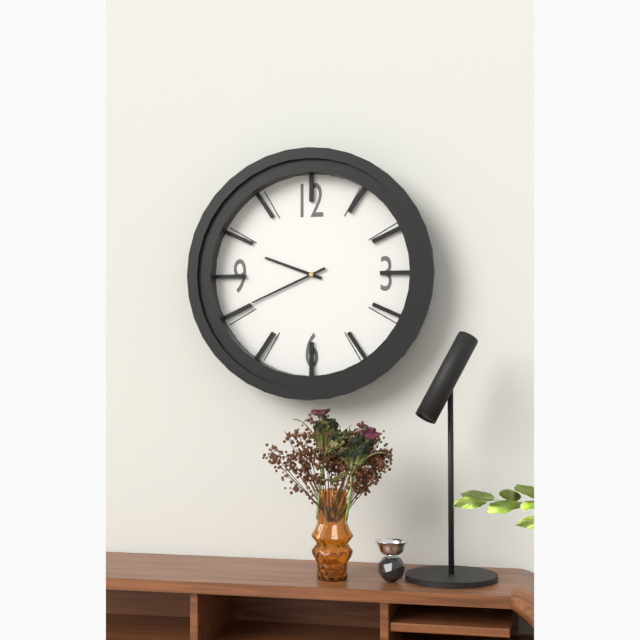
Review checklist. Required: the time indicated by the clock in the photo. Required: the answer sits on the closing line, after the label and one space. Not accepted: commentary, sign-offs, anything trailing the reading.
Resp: 9:41
